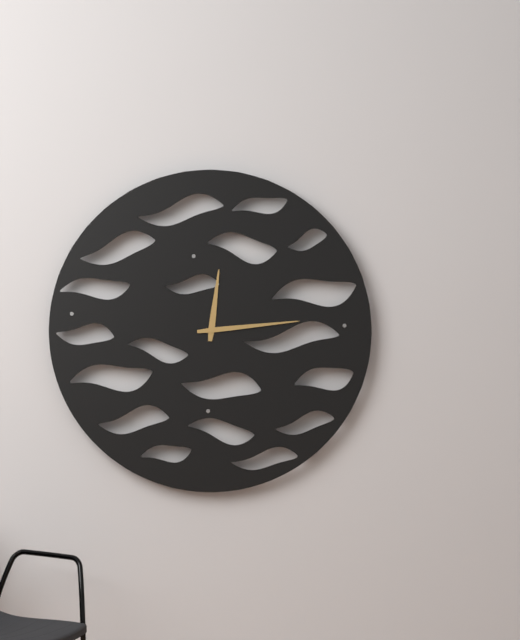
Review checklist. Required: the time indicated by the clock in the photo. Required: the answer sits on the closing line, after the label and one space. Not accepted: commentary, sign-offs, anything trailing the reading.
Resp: 12:14
